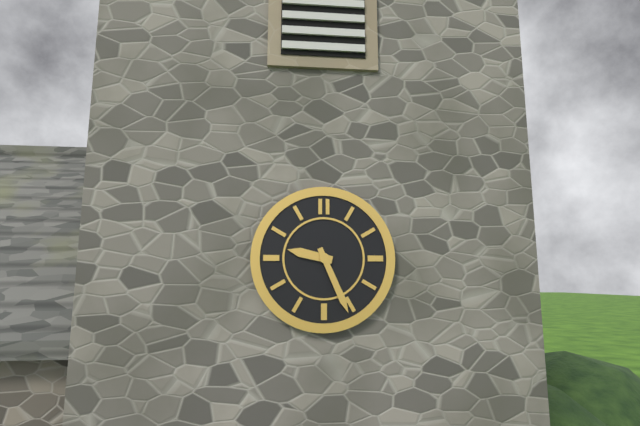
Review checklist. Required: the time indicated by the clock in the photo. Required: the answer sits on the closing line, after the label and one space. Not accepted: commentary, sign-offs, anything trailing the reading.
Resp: 9:26
